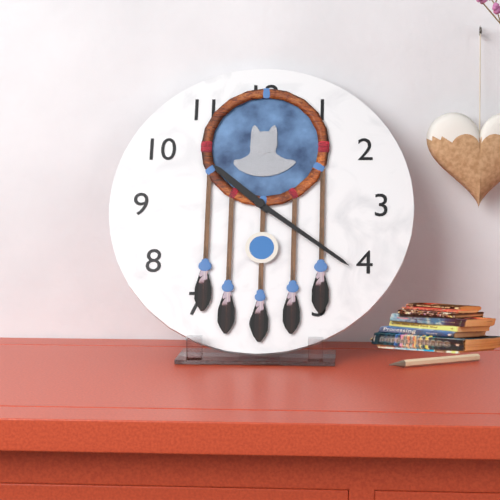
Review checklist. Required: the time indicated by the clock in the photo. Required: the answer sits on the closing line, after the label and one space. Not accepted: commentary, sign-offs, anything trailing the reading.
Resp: 10:21
